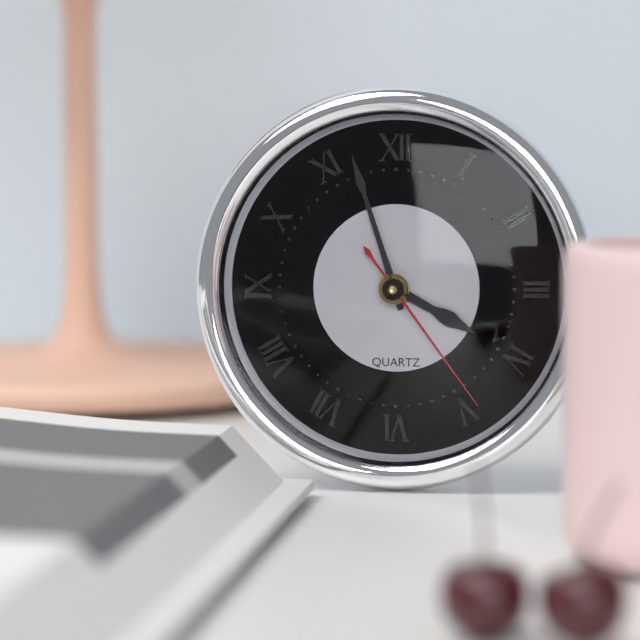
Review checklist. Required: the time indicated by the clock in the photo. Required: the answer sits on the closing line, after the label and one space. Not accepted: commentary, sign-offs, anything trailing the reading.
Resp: 3:57:24
